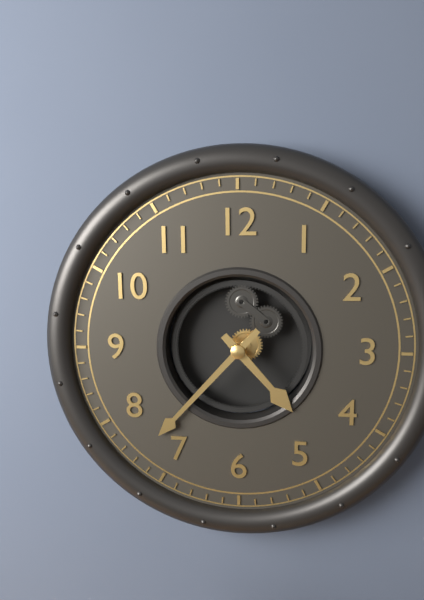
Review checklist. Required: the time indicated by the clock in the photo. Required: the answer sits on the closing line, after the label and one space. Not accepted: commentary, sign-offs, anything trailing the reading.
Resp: 4:37
